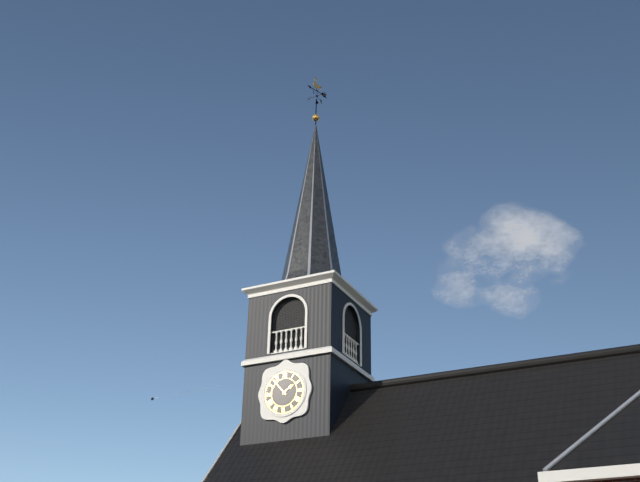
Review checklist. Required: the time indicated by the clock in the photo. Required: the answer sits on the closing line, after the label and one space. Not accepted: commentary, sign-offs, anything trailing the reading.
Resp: 1:53
